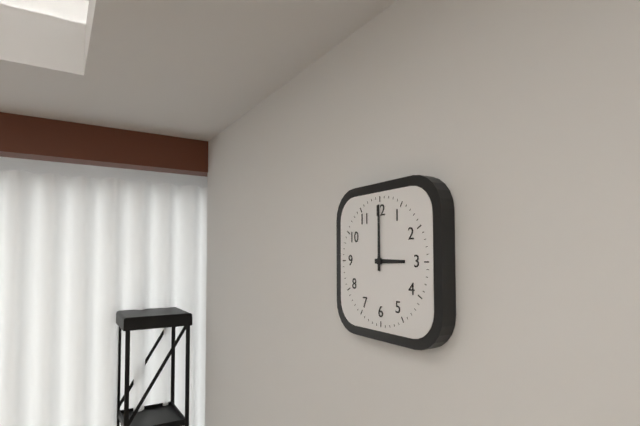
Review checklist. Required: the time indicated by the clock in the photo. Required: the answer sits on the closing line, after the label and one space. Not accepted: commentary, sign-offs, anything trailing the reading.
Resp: 3:00
